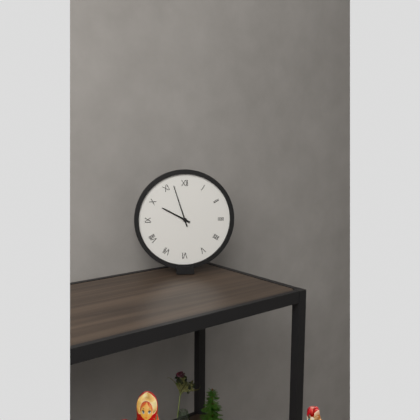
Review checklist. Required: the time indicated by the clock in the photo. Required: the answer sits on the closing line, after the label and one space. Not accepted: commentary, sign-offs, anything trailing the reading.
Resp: 9:57
